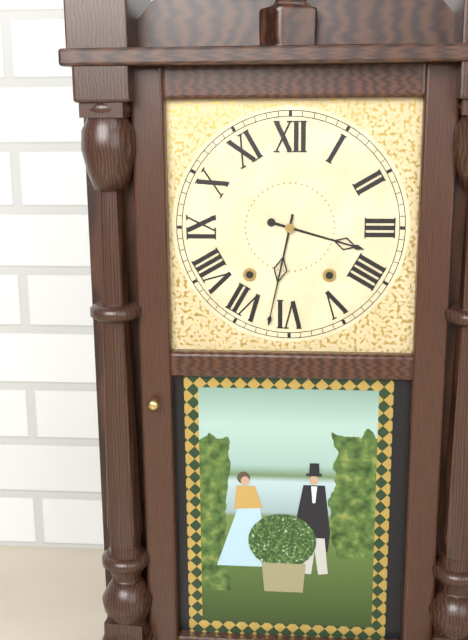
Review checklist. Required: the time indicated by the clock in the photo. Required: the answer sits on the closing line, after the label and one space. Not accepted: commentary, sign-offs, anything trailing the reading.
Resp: 3:32
